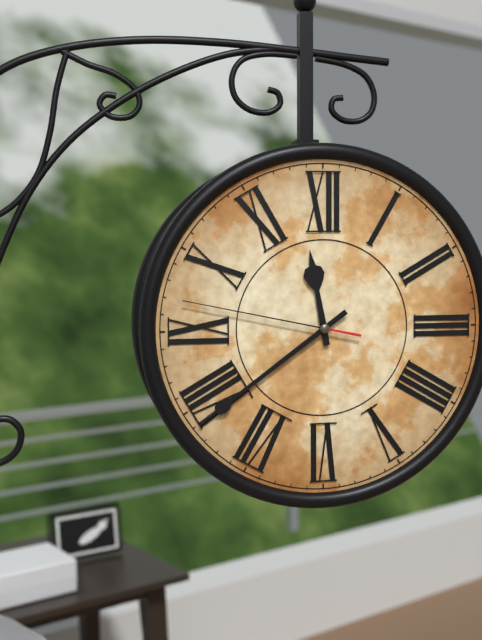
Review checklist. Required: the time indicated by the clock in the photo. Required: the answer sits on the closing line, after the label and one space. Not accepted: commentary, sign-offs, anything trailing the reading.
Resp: 11:39:47
